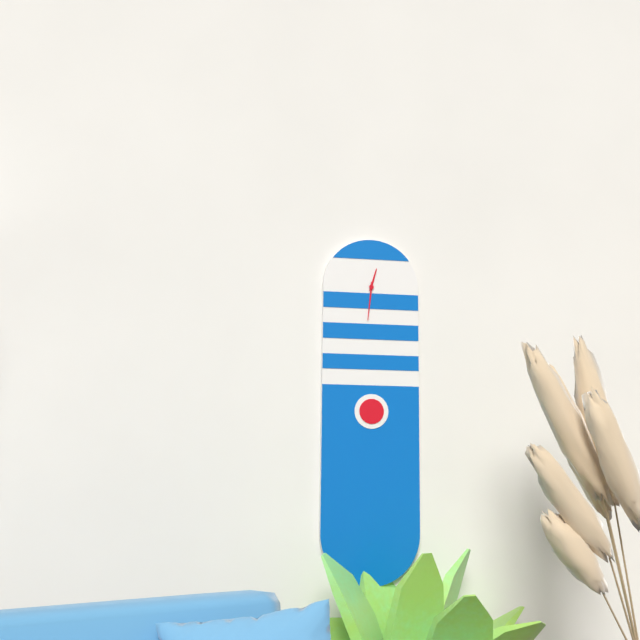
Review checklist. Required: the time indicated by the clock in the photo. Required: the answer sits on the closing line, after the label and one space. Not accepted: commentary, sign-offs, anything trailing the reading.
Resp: 12:31
